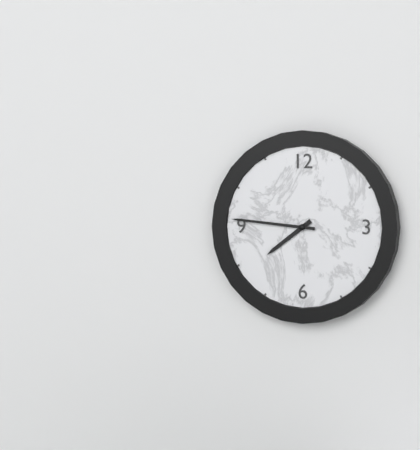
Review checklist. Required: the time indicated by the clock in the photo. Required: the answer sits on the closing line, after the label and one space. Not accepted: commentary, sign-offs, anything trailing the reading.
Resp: 7:46
